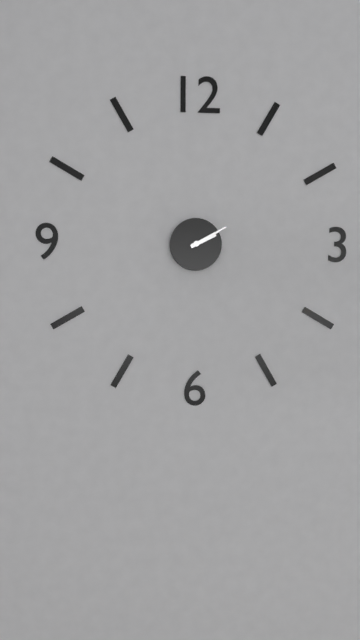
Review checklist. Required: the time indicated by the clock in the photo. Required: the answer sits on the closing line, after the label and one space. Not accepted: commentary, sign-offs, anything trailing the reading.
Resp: 2:10
